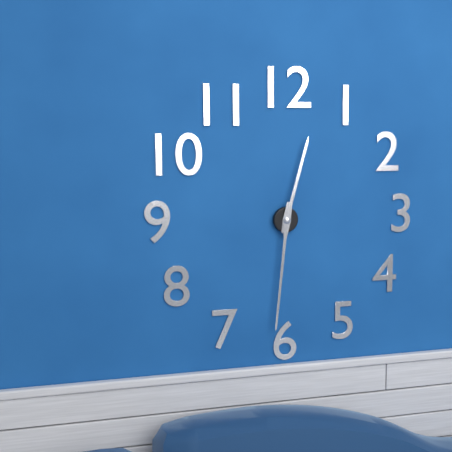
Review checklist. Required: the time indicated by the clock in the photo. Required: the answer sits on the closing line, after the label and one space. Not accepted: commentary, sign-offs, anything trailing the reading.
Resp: 12:31
